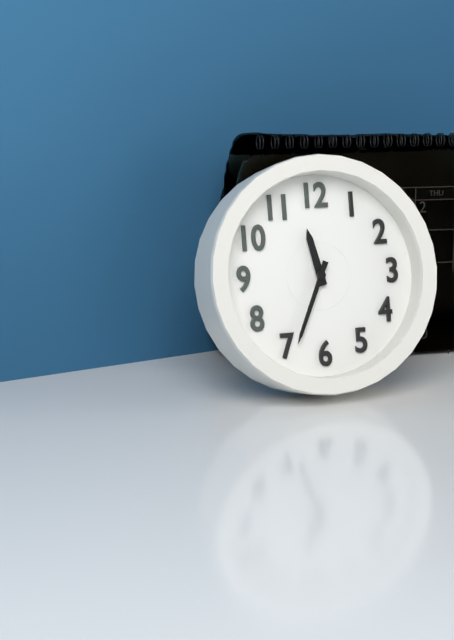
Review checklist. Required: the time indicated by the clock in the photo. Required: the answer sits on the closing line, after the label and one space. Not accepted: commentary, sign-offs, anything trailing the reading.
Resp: 11:34
